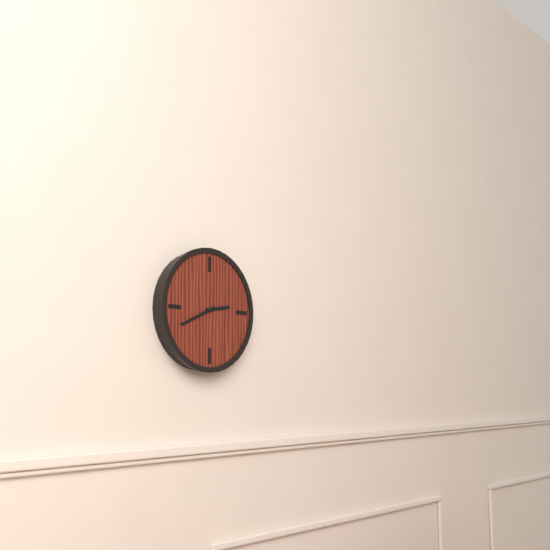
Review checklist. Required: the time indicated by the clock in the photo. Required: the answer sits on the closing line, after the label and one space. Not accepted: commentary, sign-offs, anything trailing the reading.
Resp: 2:41
